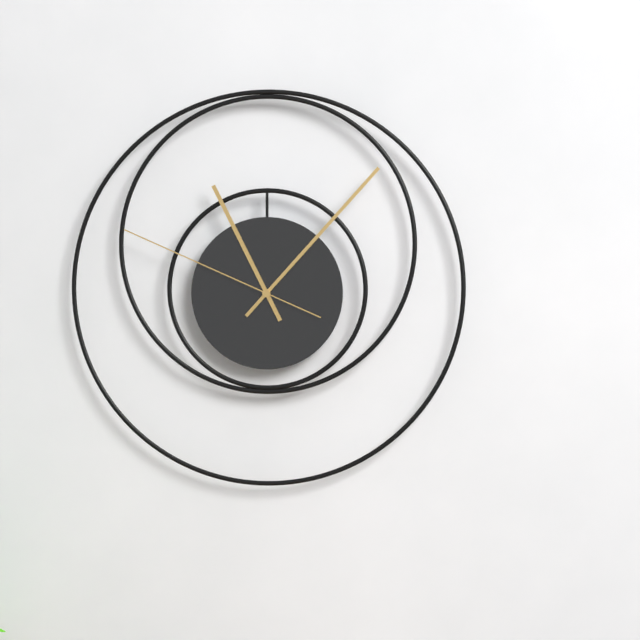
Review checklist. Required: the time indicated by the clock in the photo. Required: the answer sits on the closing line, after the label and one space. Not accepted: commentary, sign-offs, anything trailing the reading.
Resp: 11:07:49
